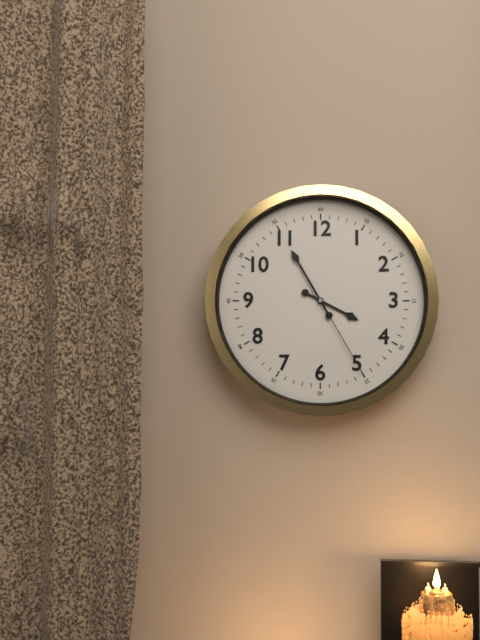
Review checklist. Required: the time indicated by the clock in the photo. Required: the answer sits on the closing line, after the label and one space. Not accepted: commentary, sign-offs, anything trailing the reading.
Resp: 3:55:25
